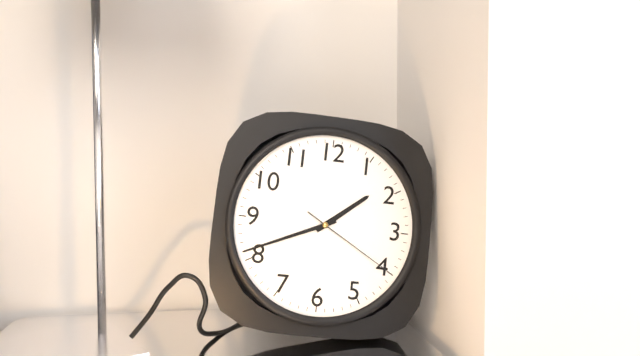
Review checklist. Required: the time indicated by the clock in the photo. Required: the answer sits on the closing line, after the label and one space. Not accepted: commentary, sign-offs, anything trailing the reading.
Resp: 1:41:20
